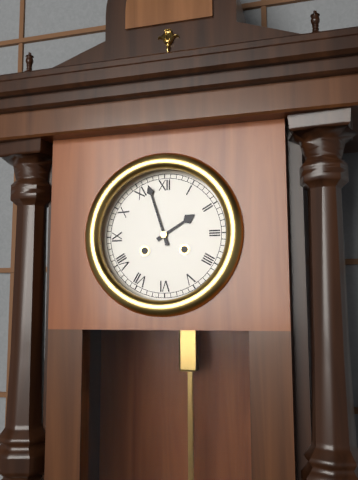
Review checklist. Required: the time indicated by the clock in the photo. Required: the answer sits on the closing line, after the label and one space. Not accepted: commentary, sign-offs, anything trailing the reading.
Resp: 1:57
